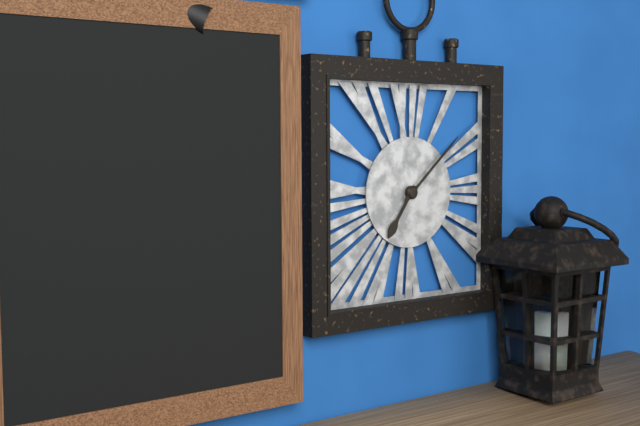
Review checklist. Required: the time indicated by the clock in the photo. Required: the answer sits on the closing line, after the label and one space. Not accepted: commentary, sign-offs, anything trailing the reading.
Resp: 7:08
